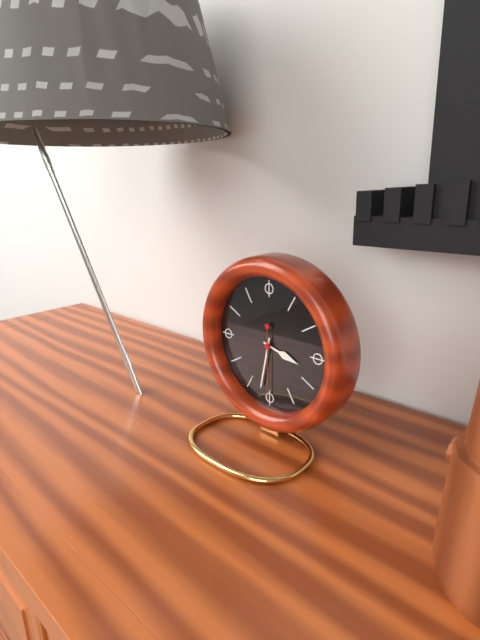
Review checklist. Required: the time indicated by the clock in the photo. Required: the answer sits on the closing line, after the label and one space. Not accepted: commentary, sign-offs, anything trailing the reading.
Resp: 3:32:30
